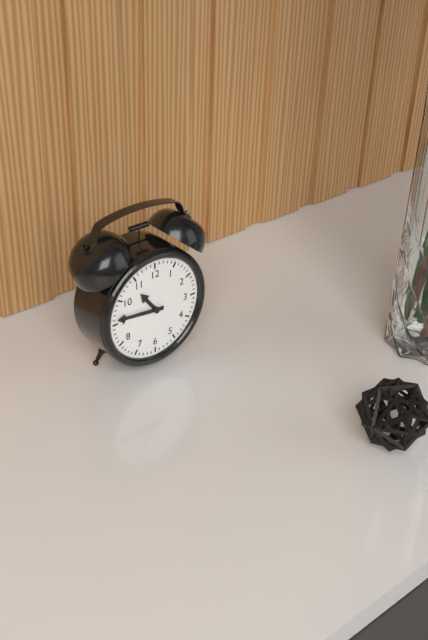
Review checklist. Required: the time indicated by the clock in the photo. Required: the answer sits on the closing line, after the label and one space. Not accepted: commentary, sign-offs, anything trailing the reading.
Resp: 10:46
